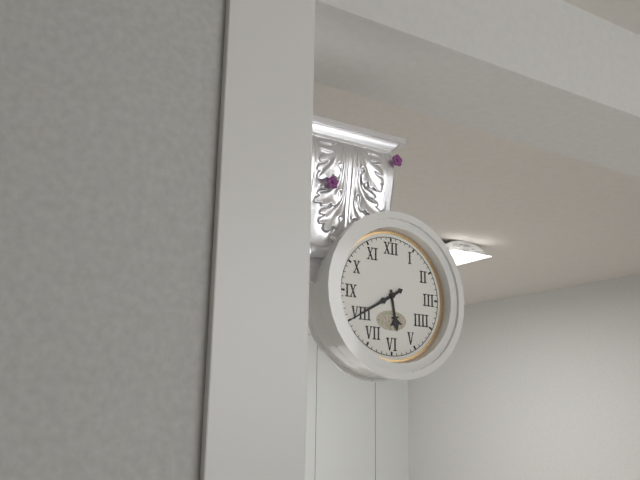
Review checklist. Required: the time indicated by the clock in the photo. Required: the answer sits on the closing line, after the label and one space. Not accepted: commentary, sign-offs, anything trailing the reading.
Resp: 5:40
